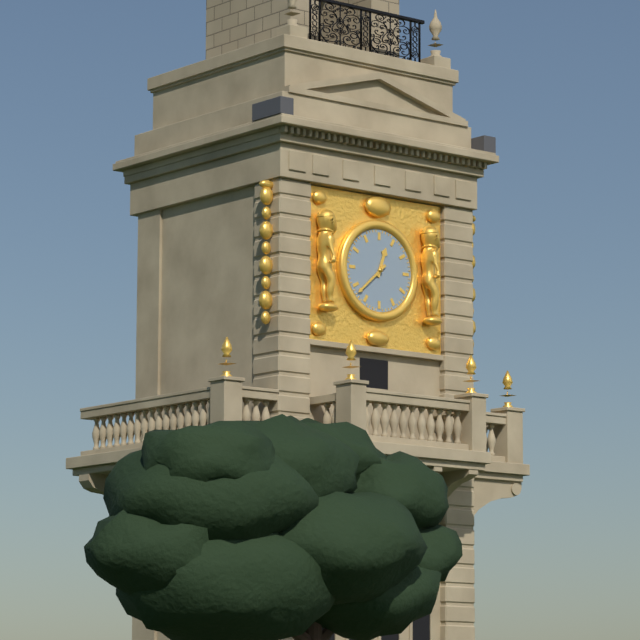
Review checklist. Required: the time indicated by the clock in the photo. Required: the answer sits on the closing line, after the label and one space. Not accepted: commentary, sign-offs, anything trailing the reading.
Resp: 12:38
